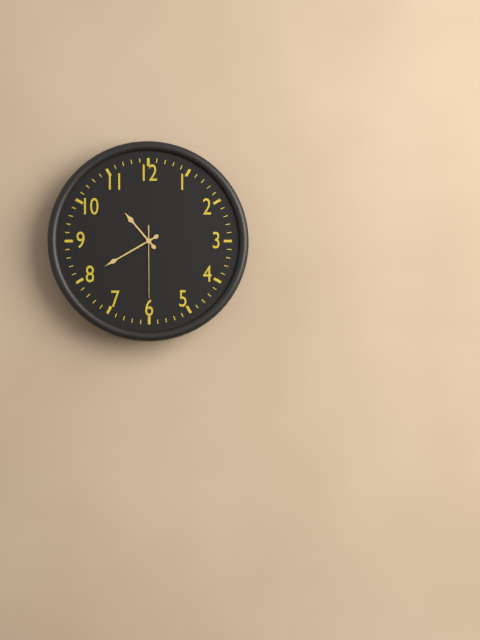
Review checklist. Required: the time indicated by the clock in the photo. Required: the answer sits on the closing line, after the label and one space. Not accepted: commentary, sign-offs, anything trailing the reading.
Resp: 10:40:30
